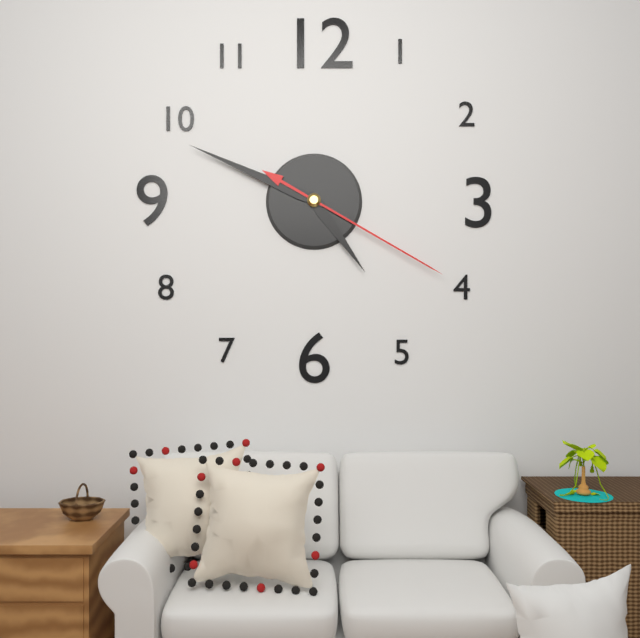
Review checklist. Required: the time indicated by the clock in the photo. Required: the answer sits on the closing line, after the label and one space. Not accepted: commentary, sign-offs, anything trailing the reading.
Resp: 4:49:20
